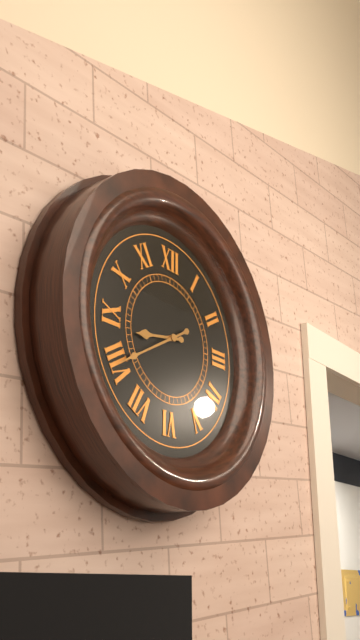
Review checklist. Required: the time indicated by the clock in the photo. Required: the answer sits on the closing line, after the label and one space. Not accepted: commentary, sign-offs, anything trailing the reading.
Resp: 8:40
